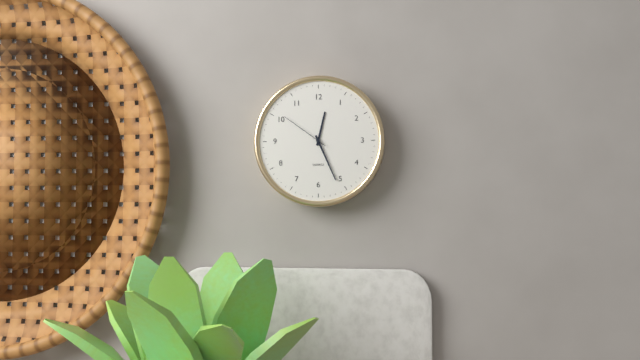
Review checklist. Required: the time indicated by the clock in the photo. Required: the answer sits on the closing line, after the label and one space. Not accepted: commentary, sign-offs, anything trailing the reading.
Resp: 12:26:51
